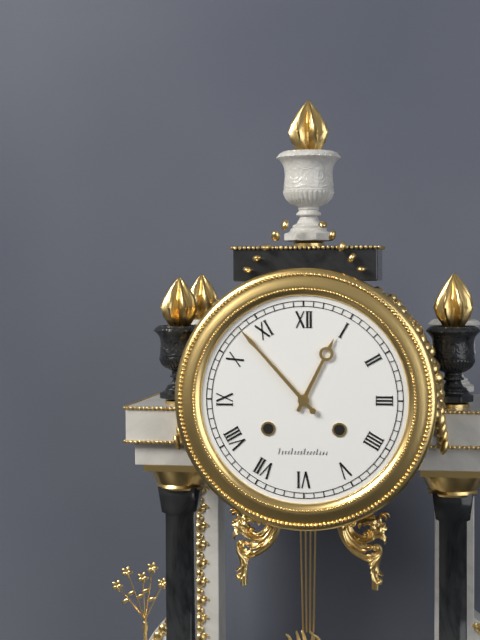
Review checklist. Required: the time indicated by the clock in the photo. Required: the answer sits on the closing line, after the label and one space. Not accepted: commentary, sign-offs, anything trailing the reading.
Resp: 12:53
